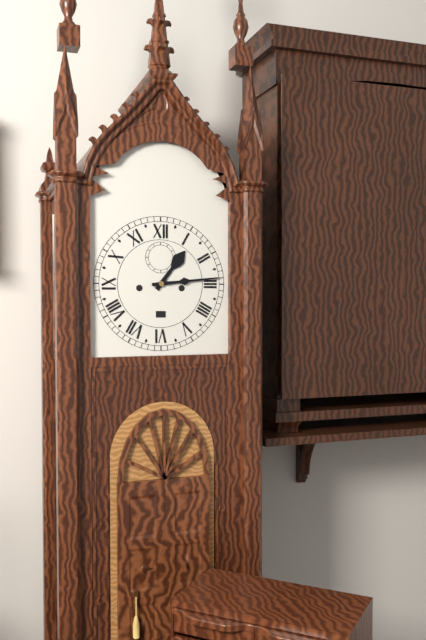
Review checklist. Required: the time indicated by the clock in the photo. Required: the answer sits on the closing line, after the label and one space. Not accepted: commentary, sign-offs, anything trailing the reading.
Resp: 1:14
